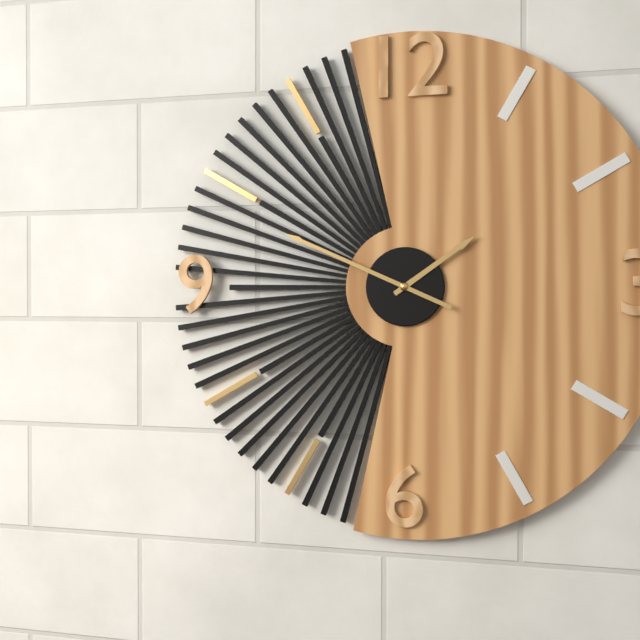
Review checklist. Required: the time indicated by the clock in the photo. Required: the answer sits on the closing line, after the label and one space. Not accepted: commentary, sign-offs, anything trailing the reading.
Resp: 1:49
